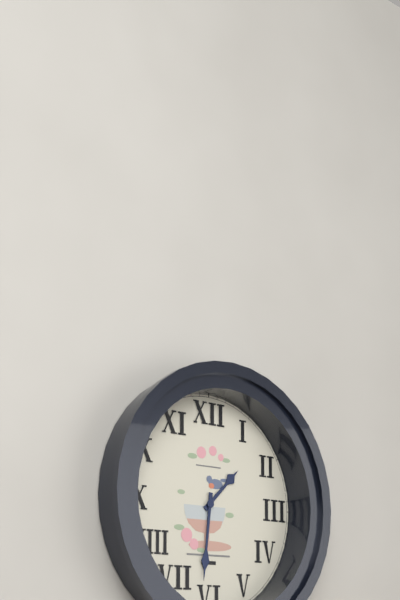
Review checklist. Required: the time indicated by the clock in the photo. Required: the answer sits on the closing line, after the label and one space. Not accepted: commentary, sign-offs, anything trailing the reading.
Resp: 1:31
